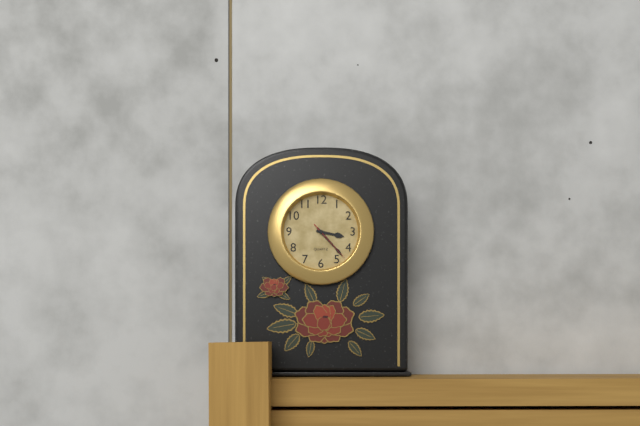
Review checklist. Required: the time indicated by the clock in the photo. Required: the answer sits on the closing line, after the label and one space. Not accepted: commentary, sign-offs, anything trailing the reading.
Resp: 3:23
